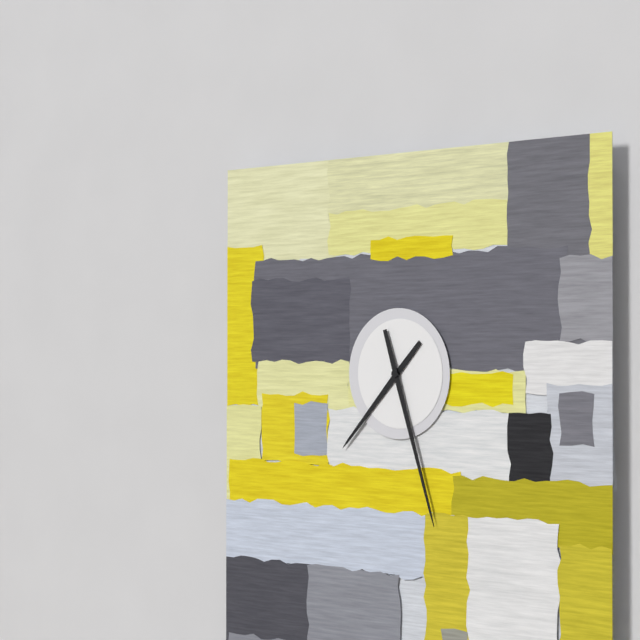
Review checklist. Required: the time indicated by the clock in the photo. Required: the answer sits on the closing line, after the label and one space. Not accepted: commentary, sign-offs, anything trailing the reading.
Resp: 7:27
